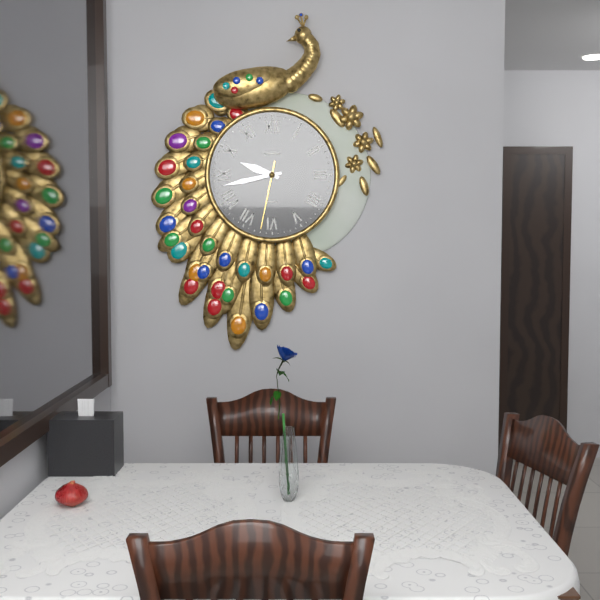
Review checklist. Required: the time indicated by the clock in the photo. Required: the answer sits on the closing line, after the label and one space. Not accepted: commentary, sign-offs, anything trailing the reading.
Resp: 9:43:32
